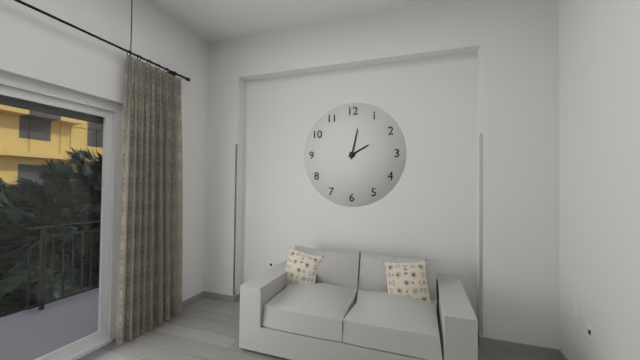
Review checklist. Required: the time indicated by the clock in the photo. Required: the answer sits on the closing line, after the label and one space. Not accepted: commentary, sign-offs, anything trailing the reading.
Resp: 2:02
